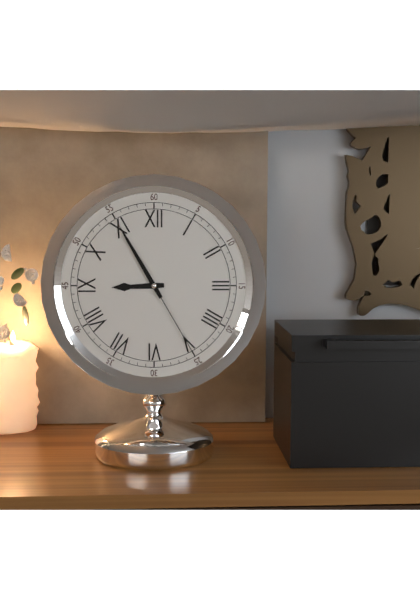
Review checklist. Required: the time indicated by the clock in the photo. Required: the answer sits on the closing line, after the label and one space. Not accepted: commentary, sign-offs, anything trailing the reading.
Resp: 8:55:25
